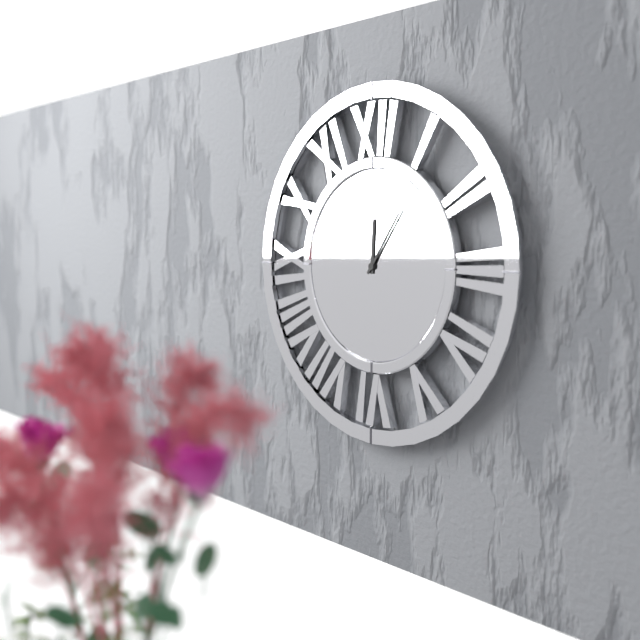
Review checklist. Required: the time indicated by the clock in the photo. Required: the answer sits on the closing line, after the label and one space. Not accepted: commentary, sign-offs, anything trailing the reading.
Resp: 12:06
